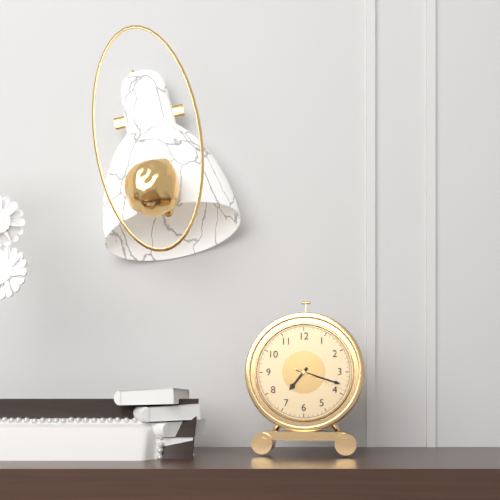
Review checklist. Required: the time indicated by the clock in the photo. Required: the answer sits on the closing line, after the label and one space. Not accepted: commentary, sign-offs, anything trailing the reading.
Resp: 7:18:19
